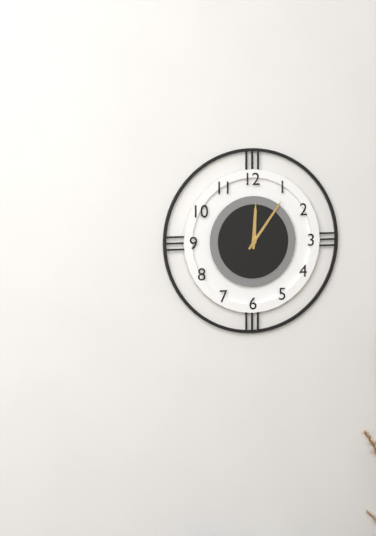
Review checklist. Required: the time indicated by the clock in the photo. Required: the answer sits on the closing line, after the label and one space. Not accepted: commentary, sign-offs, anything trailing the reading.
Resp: 12:06
